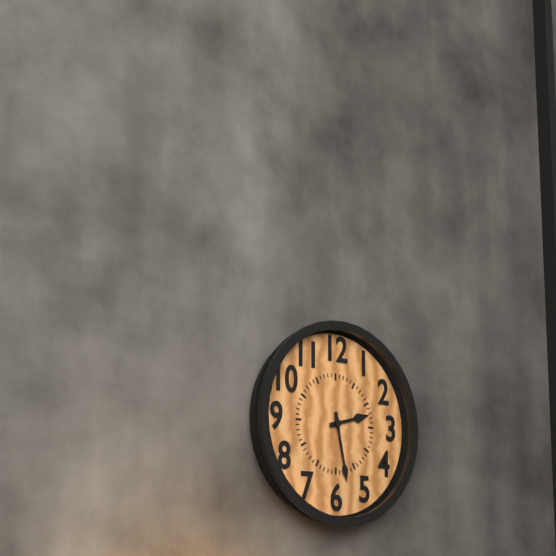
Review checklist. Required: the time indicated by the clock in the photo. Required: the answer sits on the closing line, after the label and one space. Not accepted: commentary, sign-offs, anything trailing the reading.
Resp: 2:28
